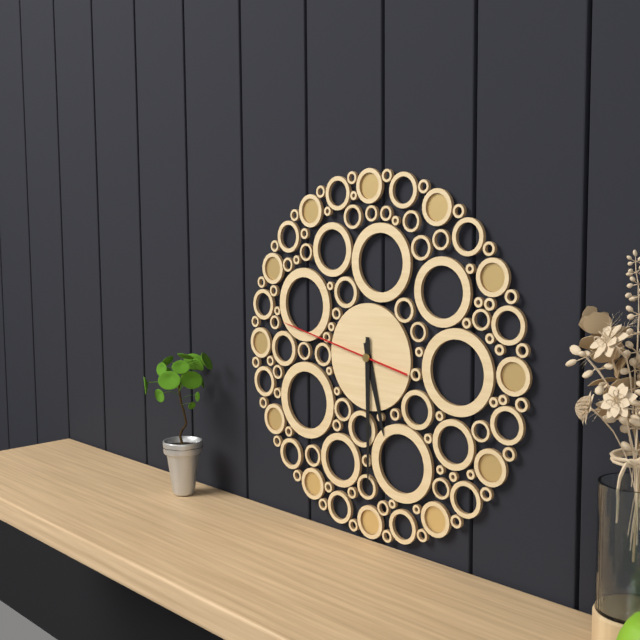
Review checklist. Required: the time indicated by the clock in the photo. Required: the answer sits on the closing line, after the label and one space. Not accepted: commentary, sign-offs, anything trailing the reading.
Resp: 5:30:47
